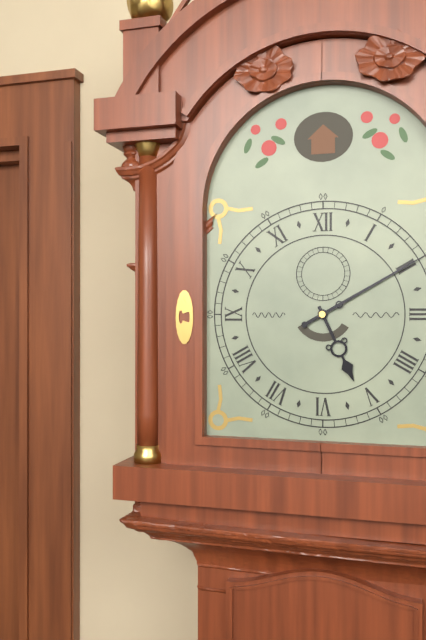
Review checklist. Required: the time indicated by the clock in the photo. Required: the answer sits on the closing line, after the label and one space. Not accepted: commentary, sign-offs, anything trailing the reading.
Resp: 5:10
